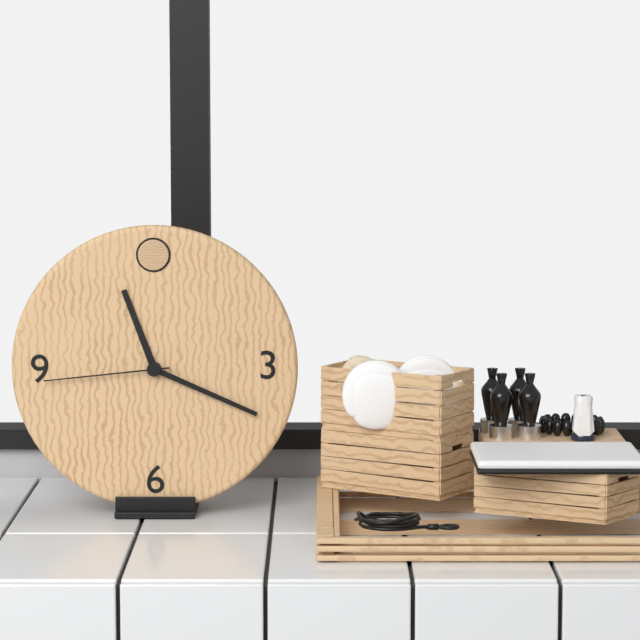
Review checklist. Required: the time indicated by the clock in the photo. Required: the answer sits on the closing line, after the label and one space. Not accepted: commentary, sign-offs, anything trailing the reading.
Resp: 11:19:44
